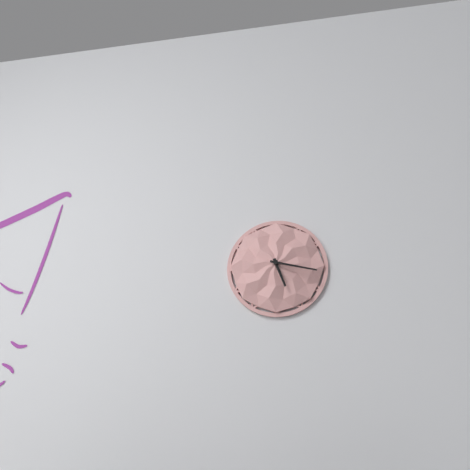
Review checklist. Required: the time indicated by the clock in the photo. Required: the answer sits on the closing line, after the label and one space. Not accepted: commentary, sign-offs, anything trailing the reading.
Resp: 5:17
